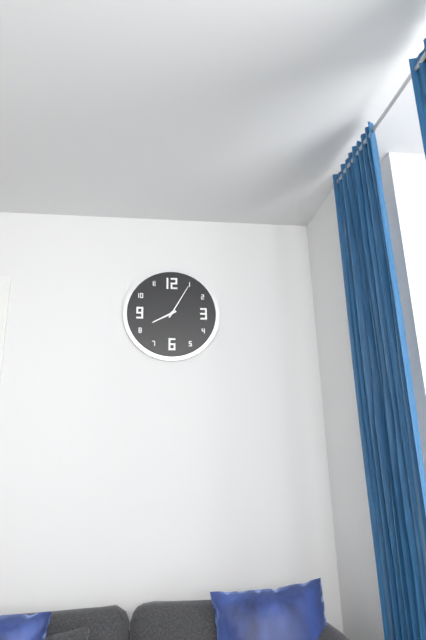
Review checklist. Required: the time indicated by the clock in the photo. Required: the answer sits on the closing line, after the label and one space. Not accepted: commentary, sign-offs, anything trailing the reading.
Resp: 8:05
